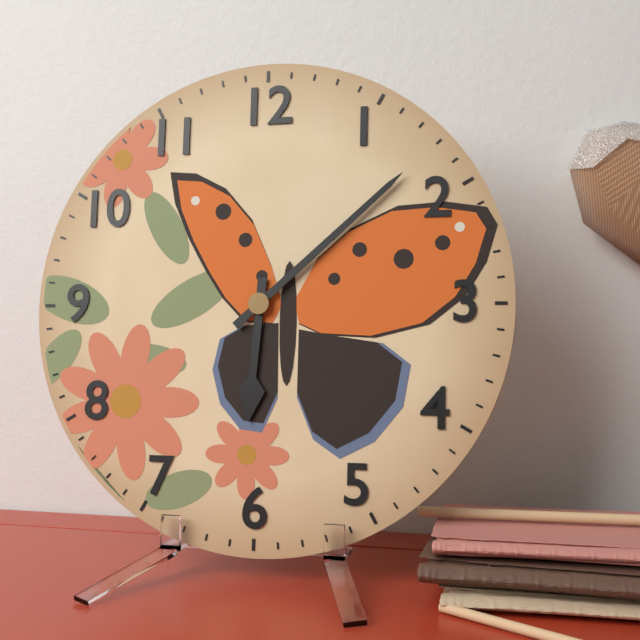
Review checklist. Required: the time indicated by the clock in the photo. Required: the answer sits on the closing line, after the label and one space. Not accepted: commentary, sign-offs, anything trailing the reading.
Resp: 6:08
